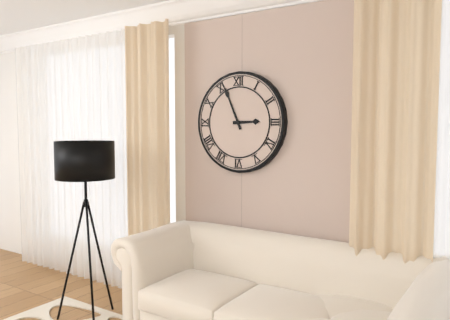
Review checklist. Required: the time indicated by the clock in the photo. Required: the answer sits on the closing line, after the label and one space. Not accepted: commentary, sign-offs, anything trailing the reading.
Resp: 2:56
